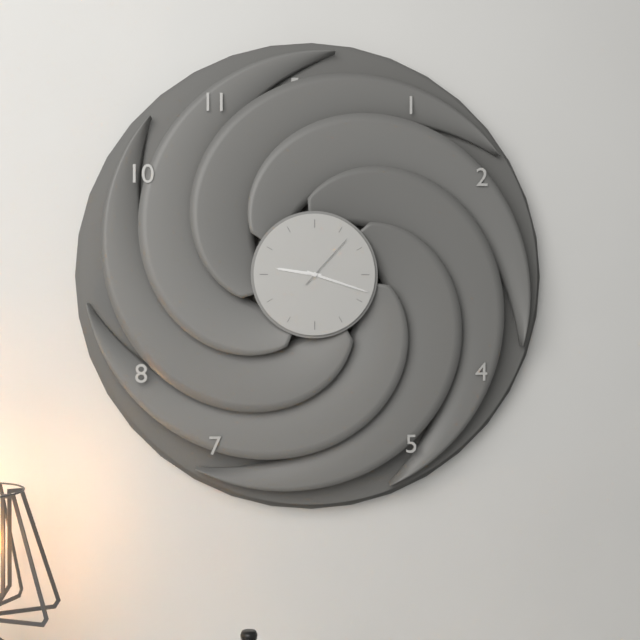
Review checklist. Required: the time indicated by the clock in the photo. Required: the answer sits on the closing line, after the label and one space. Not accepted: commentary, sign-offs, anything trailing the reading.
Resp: 9:18:07
